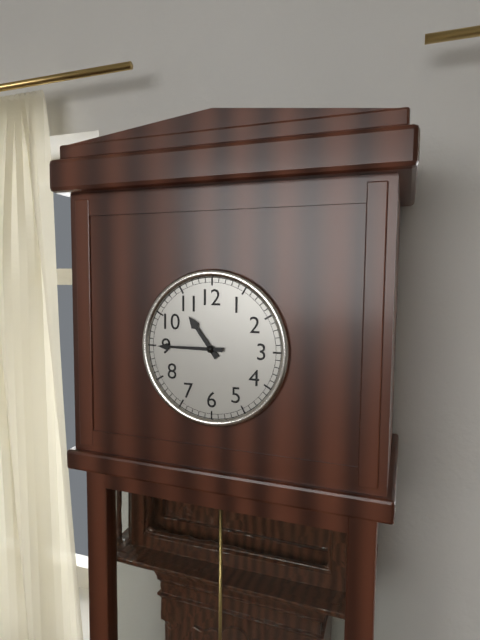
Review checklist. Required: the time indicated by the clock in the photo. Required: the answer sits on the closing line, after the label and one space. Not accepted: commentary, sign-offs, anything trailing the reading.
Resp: 10:45
